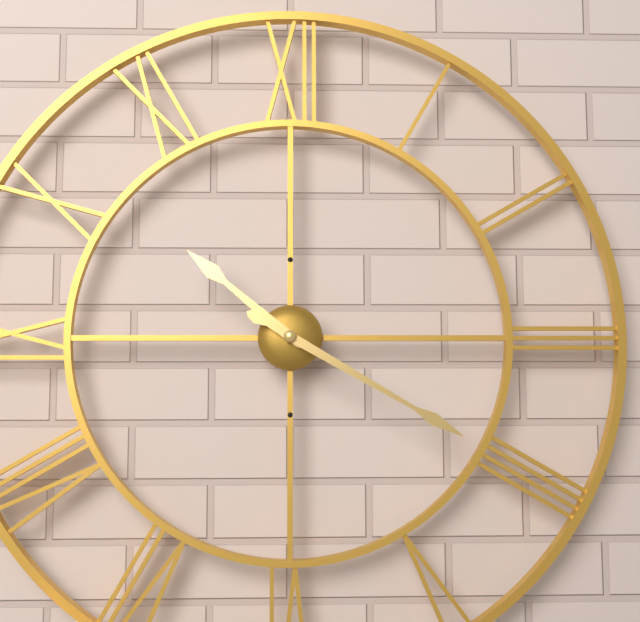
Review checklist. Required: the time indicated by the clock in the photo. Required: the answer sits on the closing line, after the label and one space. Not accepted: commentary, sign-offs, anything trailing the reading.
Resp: 10:20
